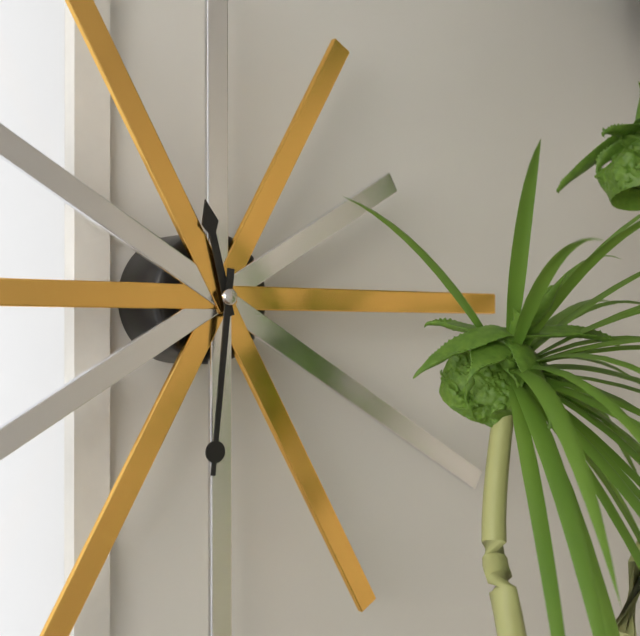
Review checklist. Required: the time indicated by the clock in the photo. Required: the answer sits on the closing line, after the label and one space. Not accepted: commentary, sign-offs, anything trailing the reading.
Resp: 11:31
